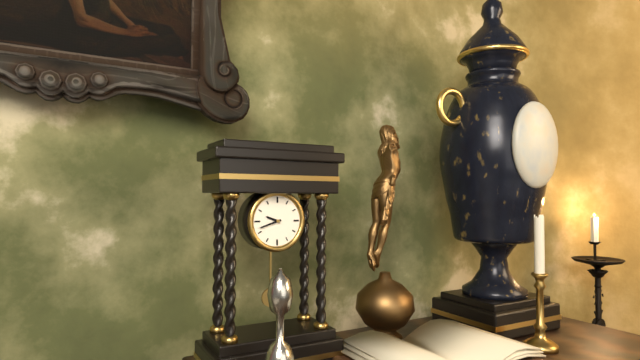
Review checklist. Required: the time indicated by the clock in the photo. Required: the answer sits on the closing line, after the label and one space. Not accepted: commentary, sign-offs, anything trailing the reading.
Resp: 9:42
